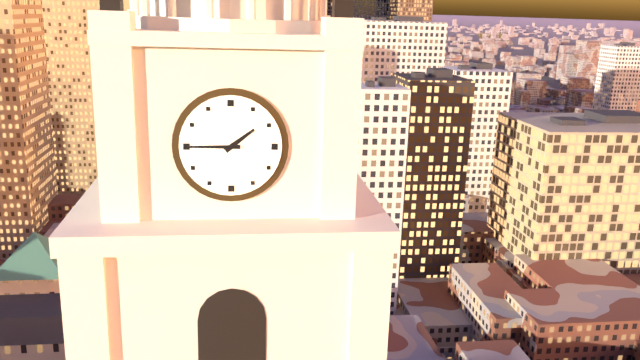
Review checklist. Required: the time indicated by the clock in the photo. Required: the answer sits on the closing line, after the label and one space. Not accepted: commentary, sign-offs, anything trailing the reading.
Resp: 1:45
